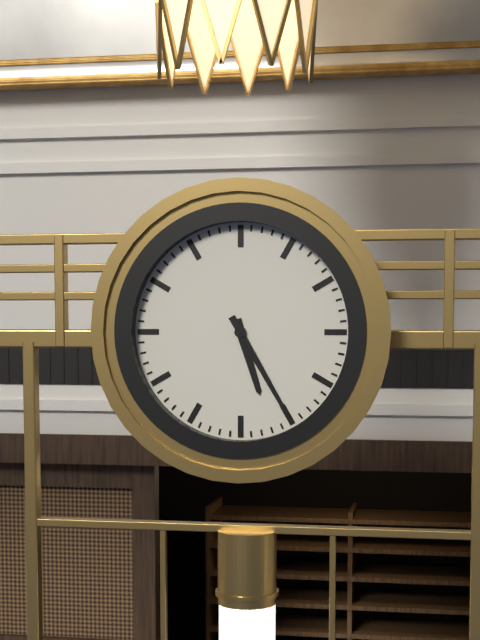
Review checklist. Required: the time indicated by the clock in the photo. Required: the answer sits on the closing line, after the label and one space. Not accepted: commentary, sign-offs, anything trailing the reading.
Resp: 5:25
